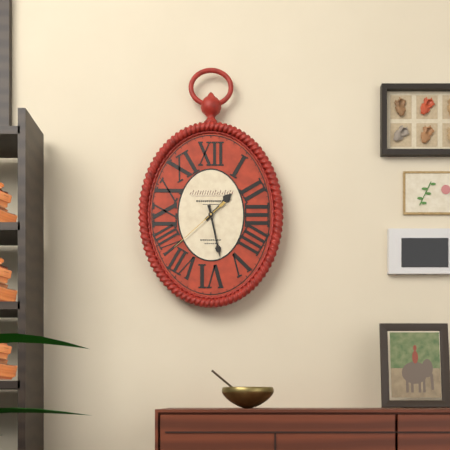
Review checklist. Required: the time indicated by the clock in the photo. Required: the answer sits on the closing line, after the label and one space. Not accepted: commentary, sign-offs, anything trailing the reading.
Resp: 1:28:38
